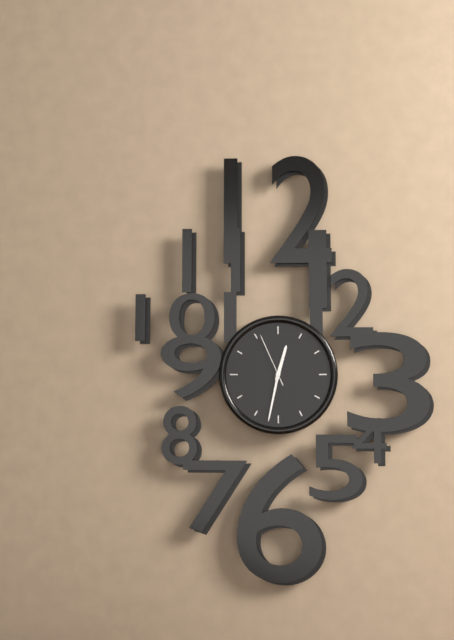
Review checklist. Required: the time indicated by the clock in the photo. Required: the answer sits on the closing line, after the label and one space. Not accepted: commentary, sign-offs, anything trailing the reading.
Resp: 12:32:56
